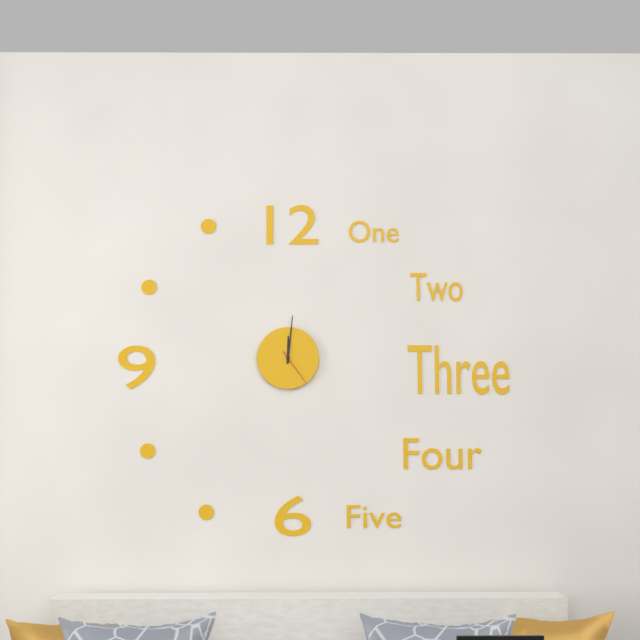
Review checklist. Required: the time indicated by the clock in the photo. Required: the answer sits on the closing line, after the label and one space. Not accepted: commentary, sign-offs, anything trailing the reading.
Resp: 12:01
